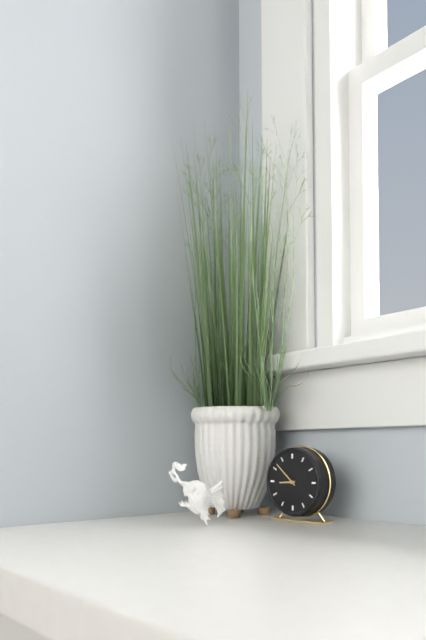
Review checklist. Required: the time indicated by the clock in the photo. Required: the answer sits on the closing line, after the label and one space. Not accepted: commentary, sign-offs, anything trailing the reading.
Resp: 8:52
